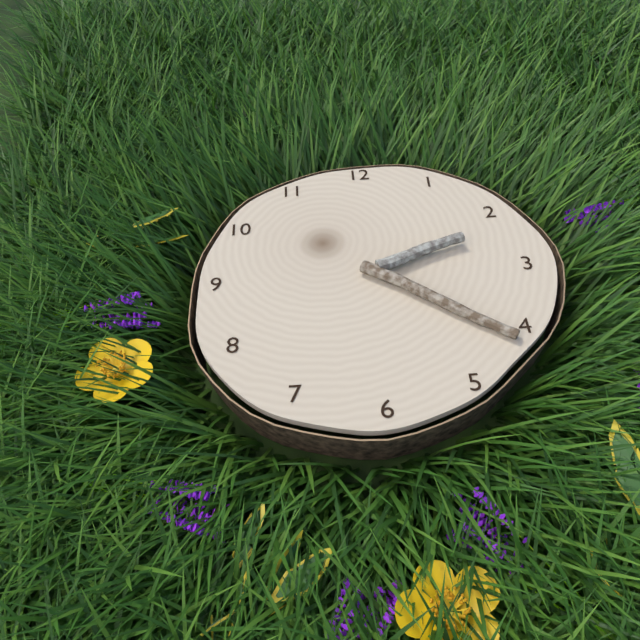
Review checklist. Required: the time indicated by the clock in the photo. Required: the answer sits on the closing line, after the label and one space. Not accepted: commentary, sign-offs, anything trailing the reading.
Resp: 2:21
